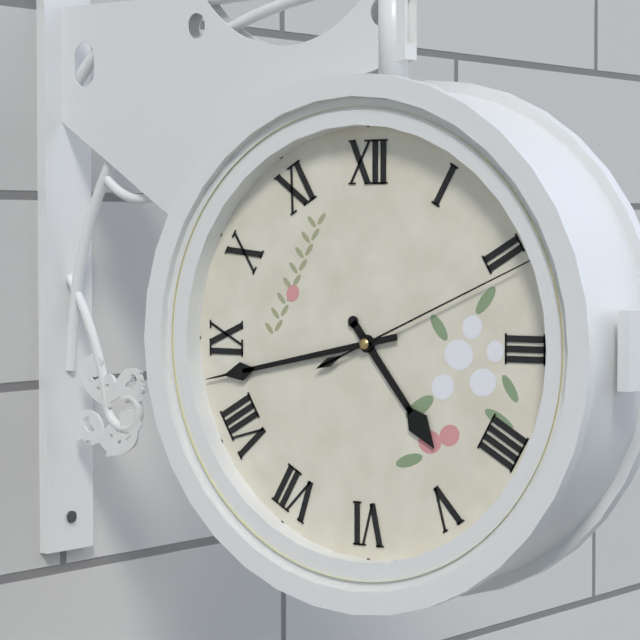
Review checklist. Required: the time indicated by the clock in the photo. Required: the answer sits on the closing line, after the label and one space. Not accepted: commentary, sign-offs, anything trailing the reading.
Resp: 4:43:11
